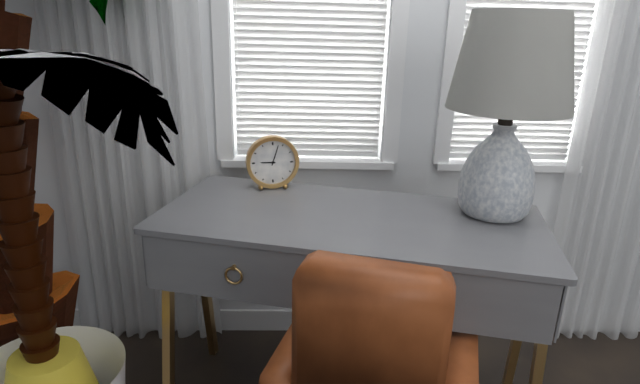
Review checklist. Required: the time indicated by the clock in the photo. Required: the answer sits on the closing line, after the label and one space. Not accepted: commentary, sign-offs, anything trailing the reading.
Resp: 9:03
